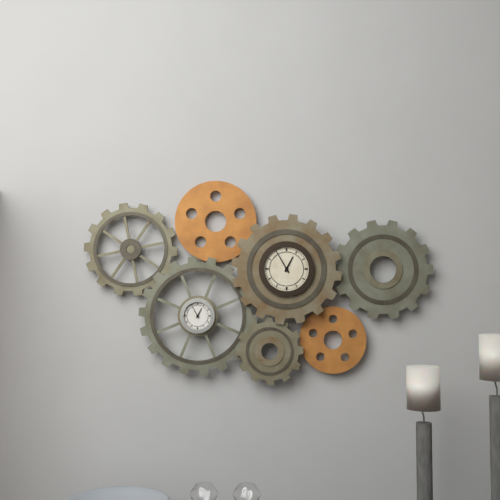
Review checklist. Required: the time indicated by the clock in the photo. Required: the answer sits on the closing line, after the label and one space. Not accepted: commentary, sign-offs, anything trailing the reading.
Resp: 12:55
